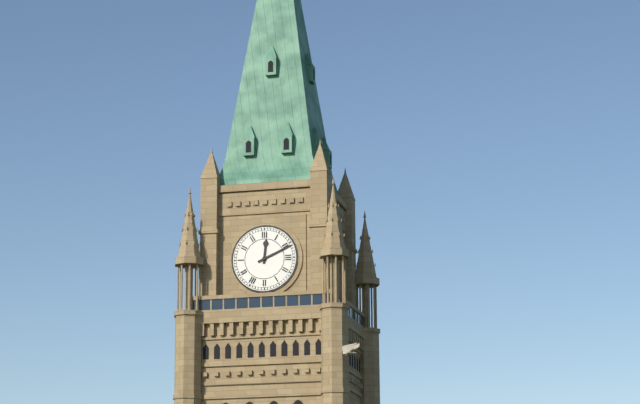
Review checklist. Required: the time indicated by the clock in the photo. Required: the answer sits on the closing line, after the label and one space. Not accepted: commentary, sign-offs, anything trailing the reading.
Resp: 12:11
